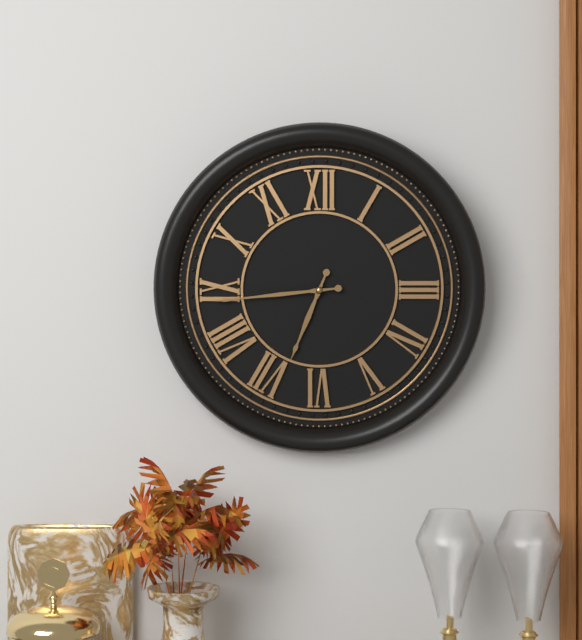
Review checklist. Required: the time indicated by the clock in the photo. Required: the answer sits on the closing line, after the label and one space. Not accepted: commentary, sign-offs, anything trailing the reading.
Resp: 6:44
